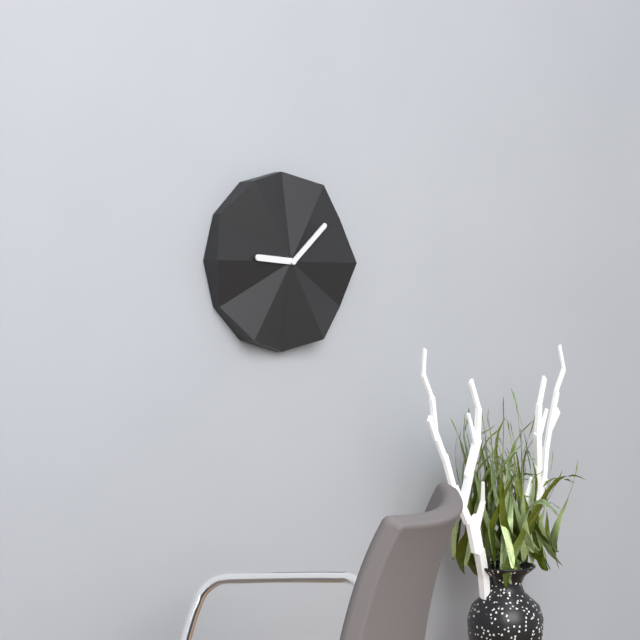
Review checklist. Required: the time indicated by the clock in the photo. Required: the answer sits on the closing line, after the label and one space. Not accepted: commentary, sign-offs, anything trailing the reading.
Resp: 9:08
